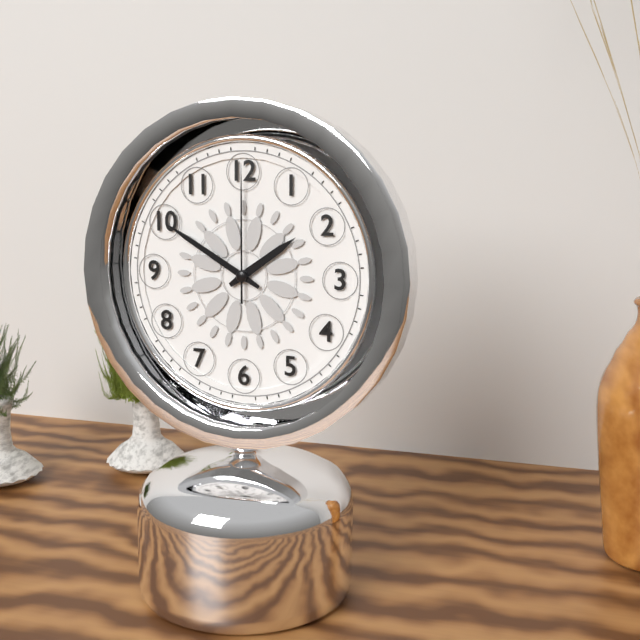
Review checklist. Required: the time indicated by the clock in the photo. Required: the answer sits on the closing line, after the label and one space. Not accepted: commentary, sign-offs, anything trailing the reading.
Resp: 1:50:00
